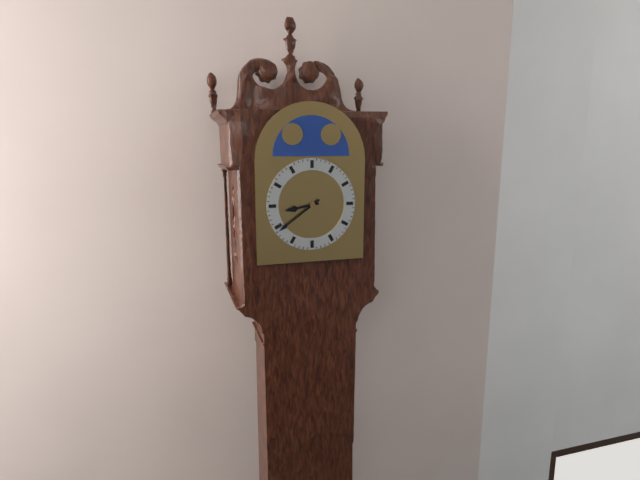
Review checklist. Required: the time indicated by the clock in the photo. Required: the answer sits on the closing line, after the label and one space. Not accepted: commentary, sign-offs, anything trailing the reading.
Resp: 8:39
